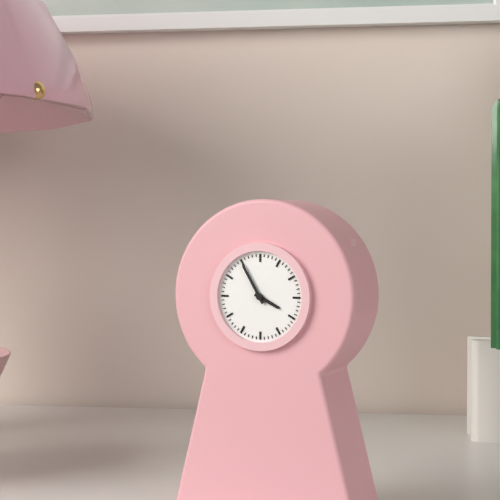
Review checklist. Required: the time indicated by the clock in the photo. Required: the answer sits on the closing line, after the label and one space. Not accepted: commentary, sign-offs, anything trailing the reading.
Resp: 3:55
